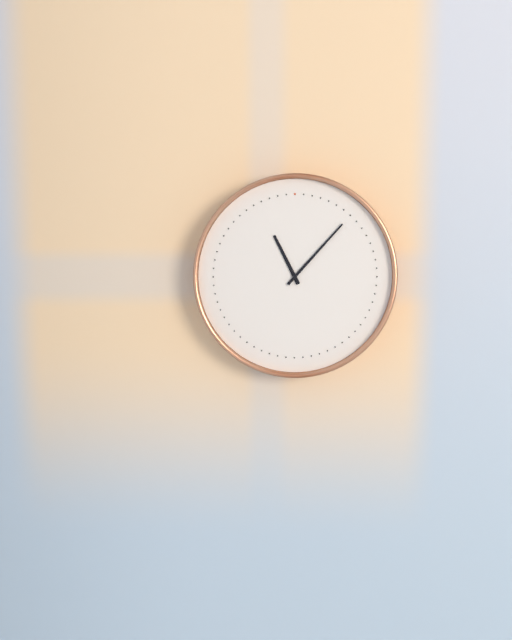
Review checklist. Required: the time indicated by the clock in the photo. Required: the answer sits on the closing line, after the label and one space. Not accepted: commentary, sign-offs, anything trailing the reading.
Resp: 11:07
